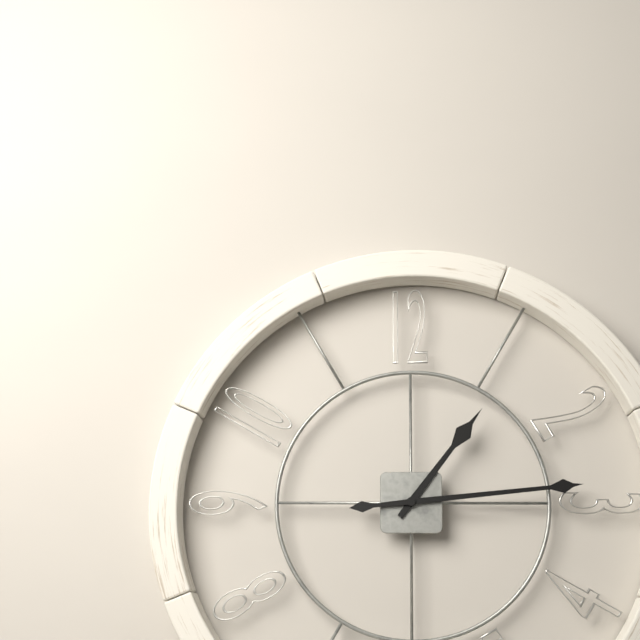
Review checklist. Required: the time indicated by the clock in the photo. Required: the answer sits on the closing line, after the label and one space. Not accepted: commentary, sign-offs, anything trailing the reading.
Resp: 1:14
